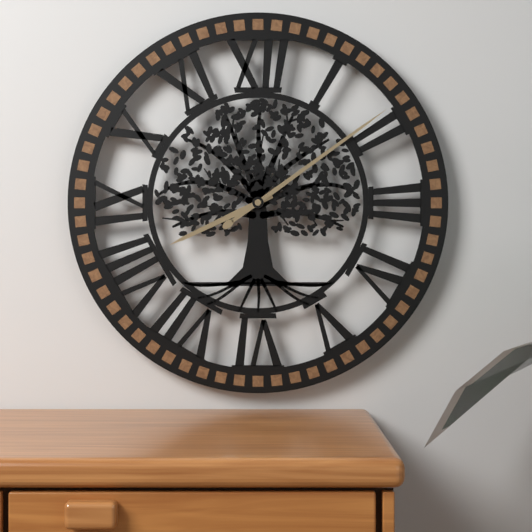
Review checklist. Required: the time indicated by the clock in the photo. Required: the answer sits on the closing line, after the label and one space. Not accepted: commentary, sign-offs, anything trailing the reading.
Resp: 8:09
